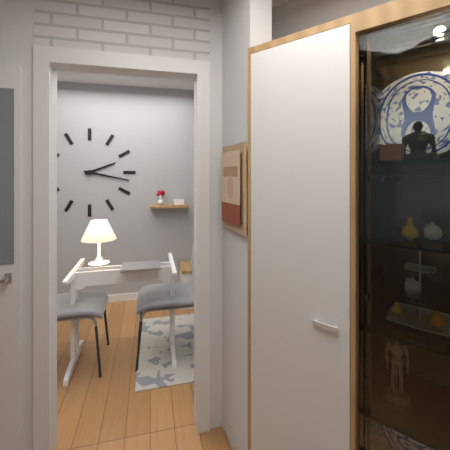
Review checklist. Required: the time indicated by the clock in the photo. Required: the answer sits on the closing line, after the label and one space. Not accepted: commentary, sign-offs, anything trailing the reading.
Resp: 2:17
